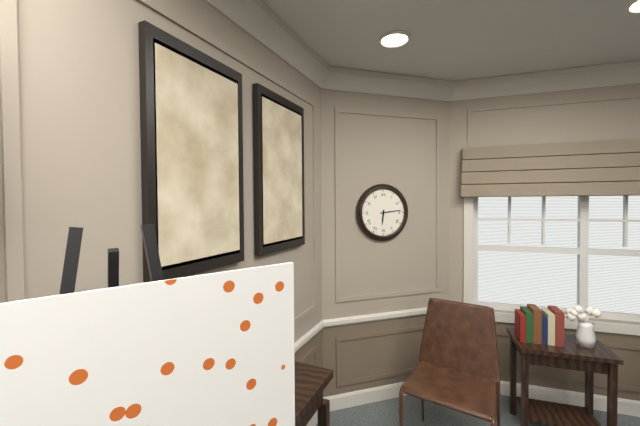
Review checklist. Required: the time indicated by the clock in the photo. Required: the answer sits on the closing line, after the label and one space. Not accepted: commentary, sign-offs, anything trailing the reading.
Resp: 6:14
